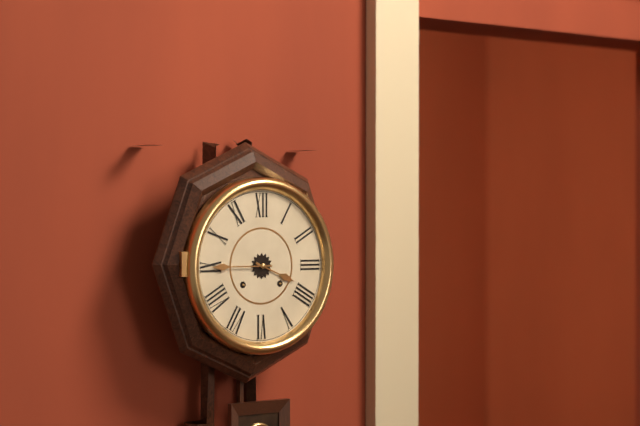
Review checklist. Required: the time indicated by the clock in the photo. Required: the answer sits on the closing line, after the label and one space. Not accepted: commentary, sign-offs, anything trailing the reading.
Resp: 3:45
